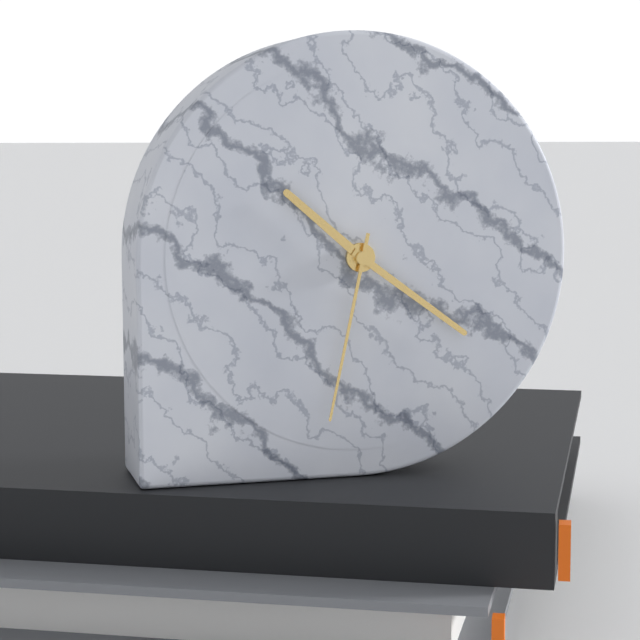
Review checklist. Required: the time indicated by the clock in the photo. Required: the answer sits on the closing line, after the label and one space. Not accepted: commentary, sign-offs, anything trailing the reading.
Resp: 10:21:32
